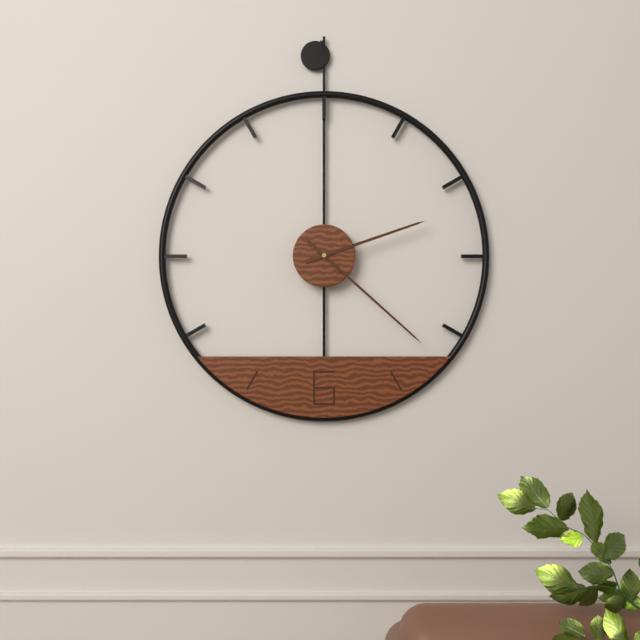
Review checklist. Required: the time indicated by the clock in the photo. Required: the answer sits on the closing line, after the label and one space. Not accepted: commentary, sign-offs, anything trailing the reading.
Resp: 2:22
